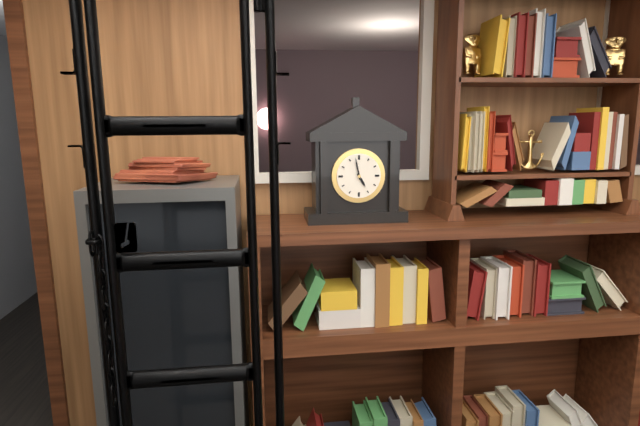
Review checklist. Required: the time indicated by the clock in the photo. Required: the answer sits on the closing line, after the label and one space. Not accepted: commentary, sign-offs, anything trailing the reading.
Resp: 4:58
